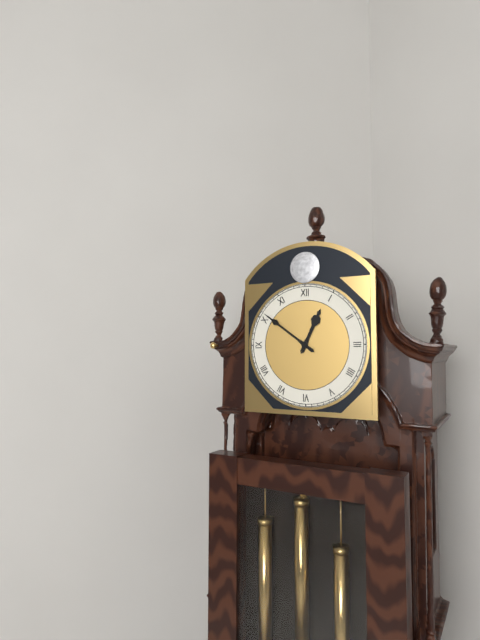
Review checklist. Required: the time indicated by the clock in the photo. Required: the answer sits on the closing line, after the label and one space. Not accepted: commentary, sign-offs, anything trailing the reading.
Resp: 12:51
